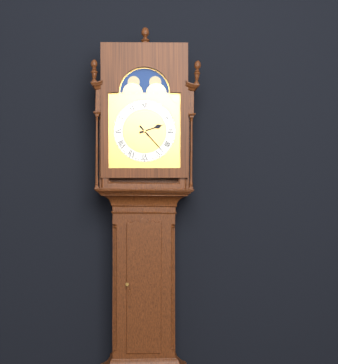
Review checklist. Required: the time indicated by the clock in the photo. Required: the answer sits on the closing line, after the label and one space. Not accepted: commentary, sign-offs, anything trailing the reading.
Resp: 2:23
